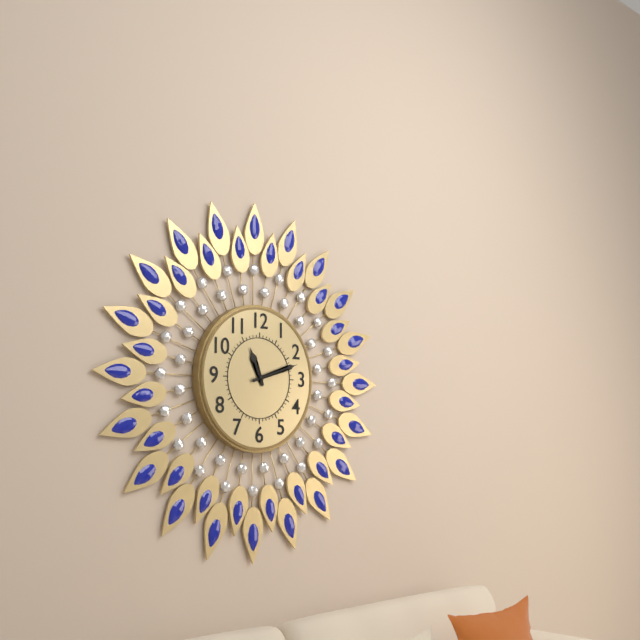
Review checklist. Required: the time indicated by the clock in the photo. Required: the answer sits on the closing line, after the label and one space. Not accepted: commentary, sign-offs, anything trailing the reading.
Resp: 11:12
